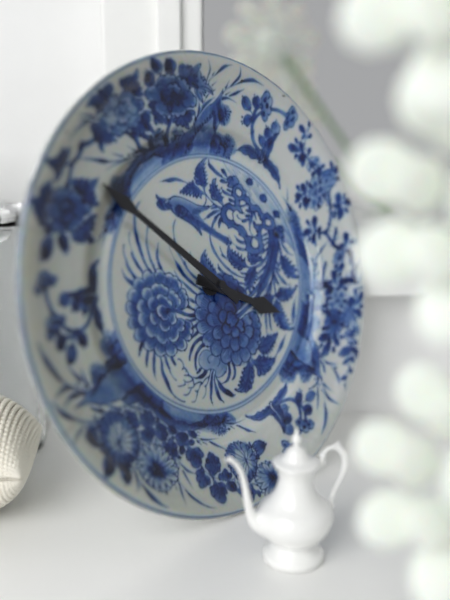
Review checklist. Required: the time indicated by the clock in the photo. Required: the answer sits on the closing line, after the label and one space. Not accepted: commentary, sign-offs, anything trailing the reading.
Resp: 3:52
